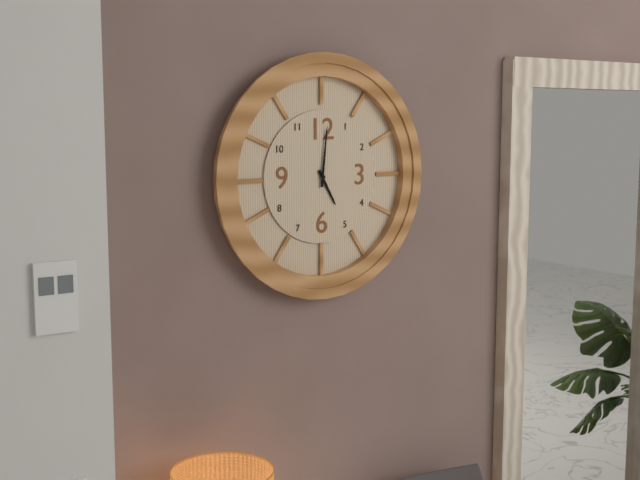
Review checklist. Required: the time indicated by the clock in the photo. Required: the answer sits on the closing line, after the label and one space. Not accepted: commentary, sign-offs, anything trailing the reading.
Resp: 5:01
